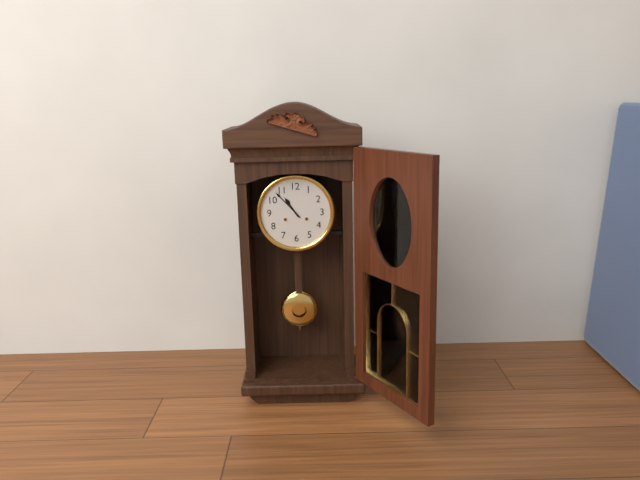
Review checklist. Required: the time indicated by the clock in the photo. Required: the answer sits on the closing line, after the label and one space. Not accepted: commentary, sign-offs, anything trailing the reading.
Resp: 10:53
